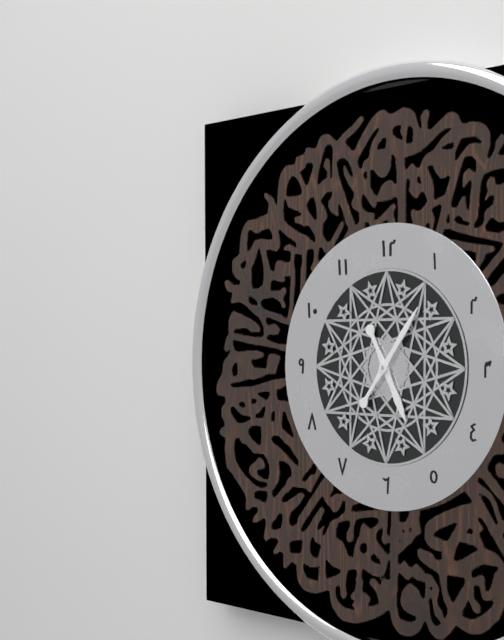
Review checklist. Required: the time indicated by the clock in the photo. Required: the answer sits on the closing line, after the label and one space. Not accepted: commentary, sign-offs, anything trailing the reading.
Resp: 5:06
